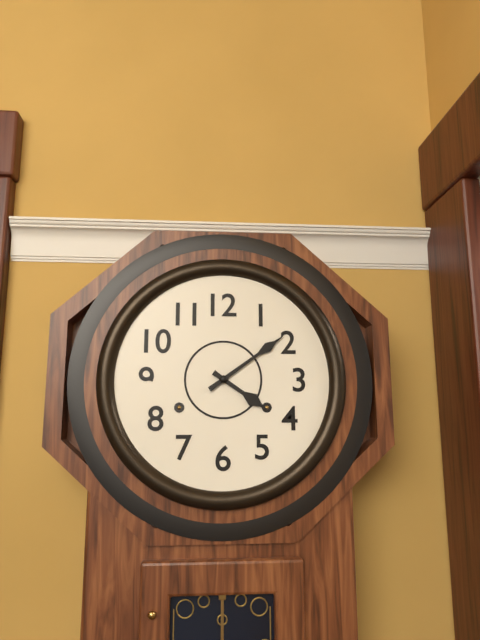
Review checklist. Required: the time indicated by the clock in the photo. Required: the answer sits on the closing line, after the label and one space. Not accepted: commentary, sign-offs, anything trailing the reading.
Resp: 4:09
